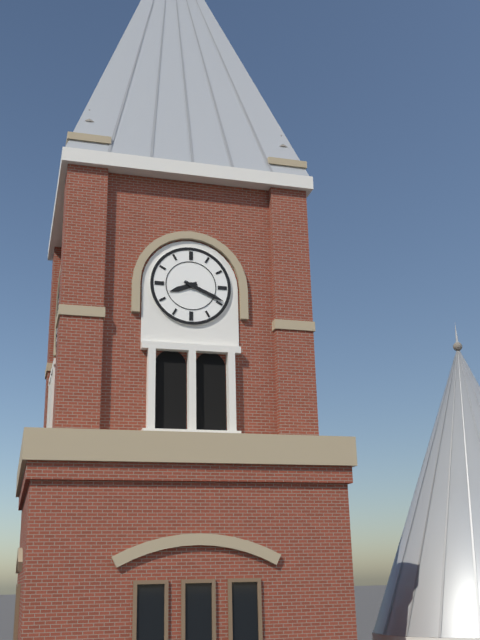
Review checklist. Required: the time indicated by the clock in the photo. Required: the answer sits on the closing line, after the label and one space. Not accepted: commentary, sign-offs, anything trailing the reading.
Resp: 8:19
